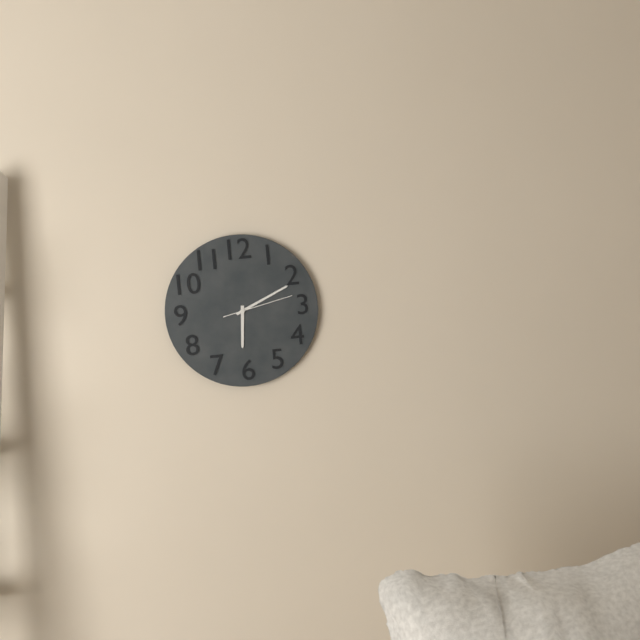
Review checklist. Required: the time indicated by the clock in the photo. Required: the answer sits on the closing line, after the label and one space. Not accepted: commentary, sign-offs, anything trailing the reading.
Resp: 6:11:13
